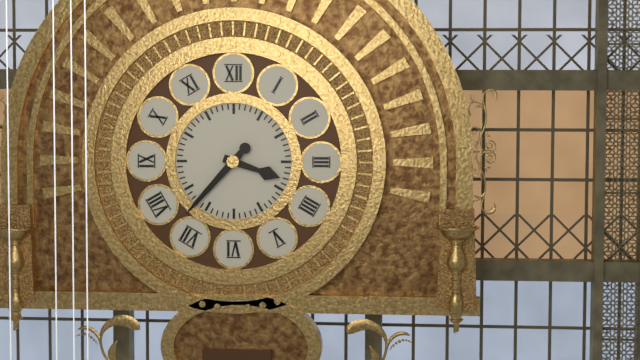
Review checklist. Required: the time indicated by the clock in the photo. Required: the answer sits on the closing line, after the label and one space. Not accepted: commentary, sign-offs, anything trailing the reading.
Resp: 3:37
